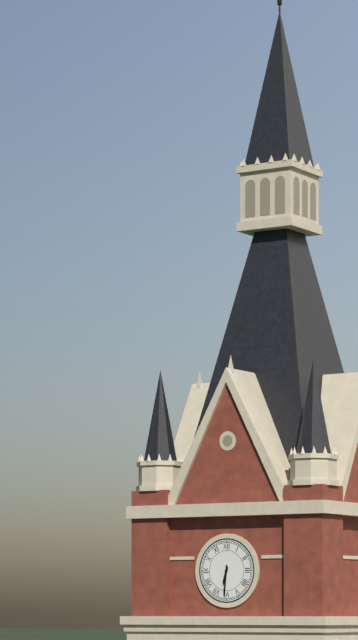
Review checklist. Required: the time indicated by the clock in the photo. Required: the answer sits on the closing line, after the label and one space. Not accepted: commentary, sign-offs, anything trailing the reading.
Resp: 6:31
